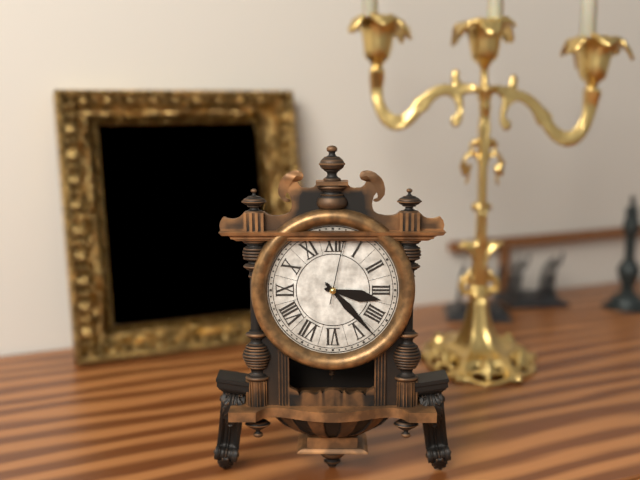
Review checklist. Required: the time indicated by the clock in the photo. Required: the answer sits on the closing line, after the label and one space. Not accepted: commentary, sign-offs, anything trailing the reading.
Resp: 3:23:02
